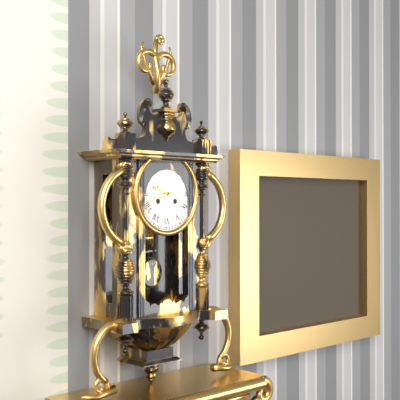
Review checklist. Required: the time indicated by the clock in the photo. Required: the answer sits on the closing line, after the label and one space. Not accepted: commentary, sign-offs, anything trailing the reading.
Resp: 9:42
